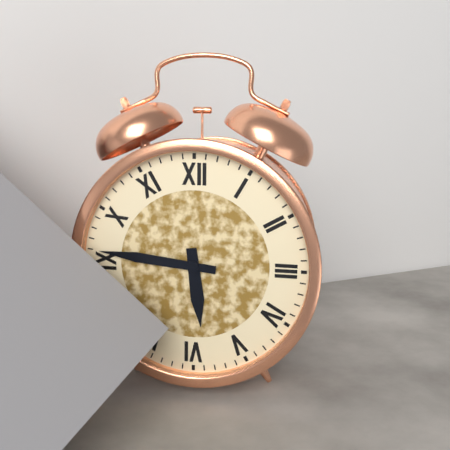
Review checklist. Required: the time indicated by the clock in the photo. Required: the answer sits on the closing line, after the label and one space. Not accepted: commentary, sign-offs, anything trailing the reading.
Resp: 5:46
